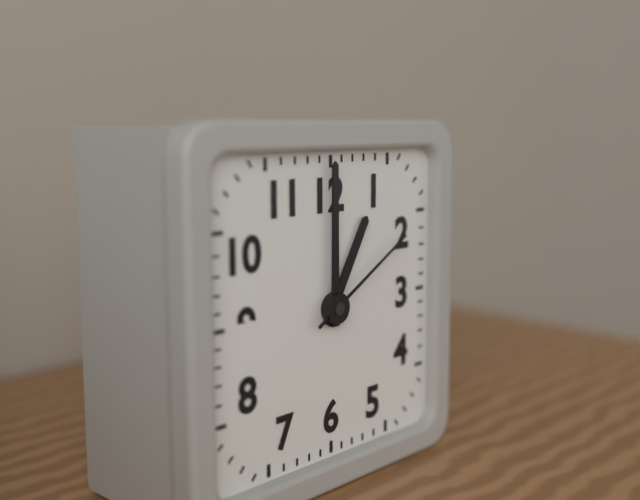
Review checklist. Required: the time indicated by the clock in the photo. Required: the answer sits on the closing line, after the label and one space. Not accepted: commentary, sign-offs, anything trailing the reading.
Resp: 1:00:10
